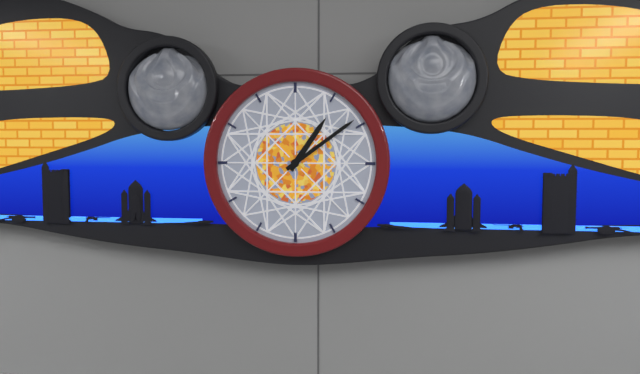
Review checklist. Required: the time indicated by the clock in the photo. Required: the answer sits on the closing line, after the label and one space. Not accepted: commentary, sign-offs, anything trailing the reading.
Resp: 1:09
